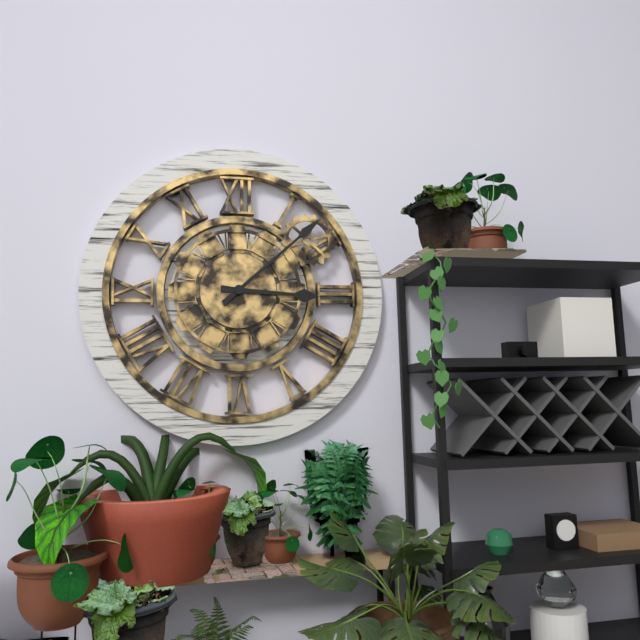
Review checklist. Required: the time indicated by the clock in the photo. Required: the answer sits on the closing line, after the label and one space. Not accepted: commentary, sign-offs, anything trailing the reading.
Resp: 3:08
